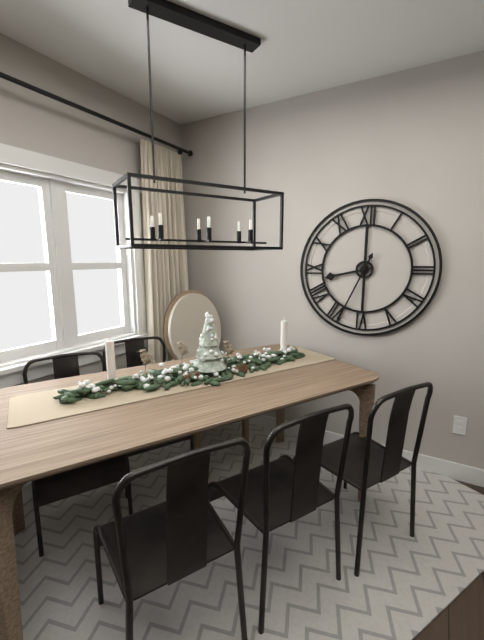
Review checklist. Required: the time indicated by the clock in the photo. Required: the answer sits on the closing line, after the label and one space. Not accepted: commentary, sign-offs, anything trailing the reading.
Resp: 8:34
